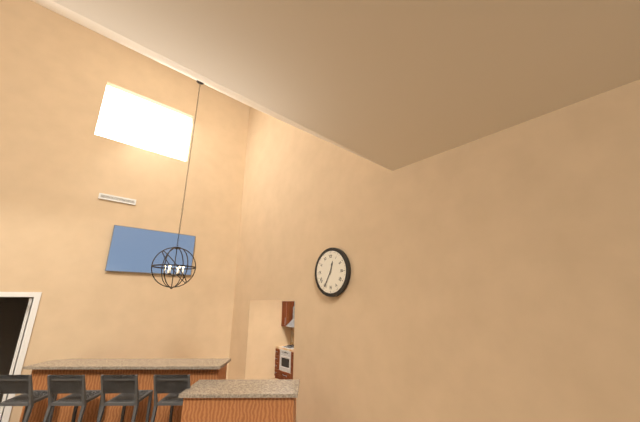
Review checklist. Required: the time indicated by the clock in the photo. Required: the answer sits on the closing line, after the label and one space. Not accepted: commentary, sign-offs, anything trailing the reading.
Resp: 12:35
